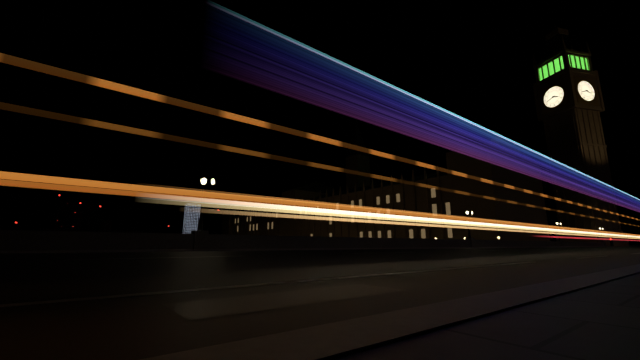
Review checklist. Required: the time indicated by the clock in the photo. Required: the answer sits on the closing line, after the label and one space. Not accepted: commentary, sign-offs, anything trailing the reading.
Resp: 3:42
